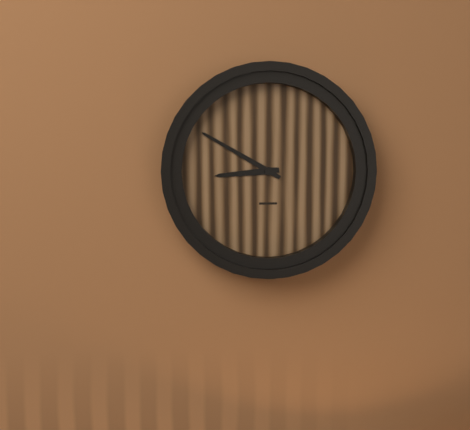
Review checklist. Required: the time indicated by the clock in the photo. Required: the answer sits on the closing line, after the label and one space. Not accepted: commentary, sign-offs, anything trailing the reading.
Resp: 8:50
